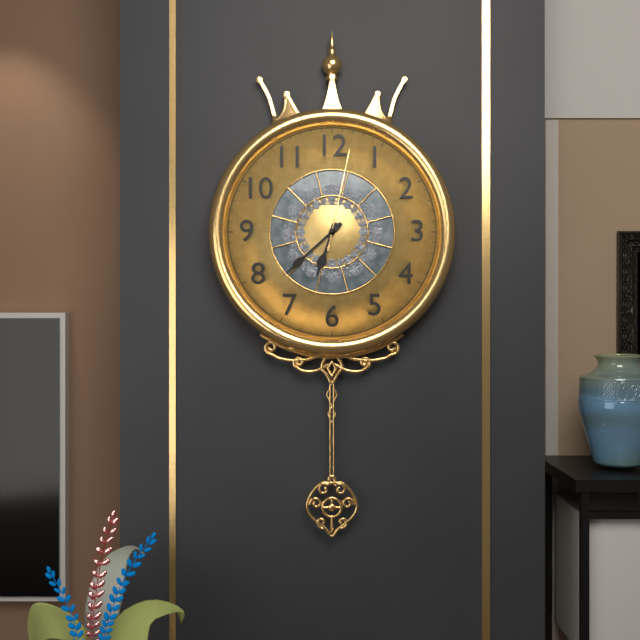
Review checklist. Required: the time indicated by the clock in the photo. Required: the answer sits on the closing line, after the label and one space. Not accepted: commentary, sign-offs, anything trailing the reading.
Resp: 6:38:02
